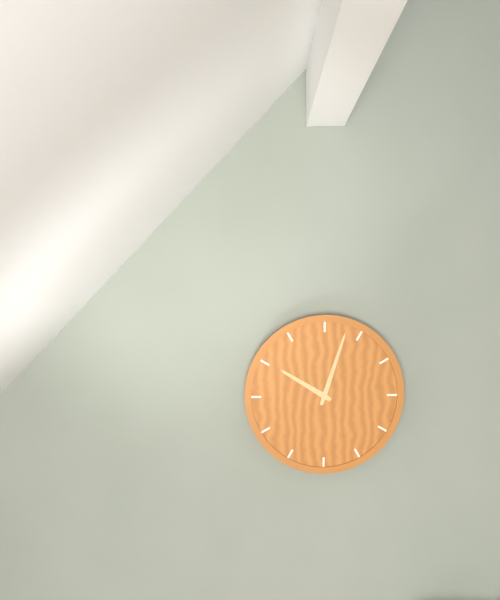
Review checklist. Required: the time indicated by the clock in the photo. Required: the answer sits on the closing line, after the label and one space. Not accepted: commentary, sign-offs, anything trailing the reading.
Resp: 10:03
